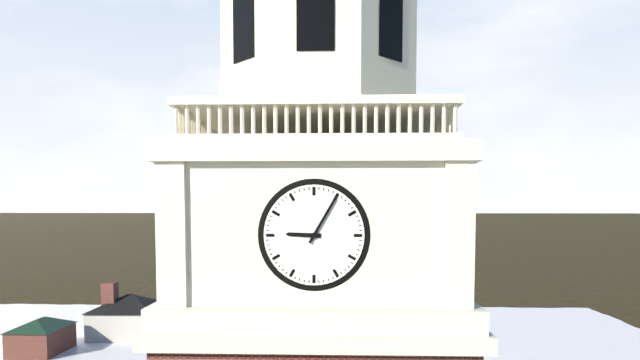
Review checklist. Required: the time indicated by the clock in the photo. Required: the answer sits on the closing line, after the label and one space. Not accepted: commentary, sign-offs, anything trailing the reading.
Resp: 9:05
